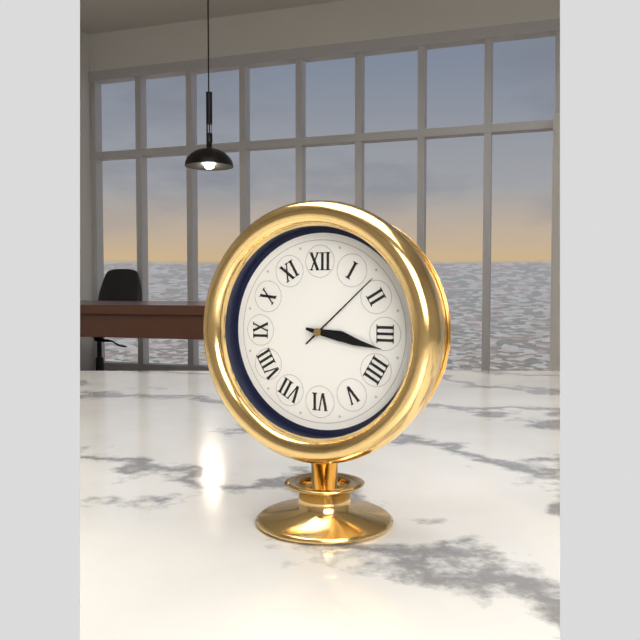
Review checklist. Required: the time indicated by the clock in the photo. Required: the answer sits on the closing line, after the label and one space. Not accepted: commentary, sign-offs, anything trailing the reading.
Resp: 3:17:08
